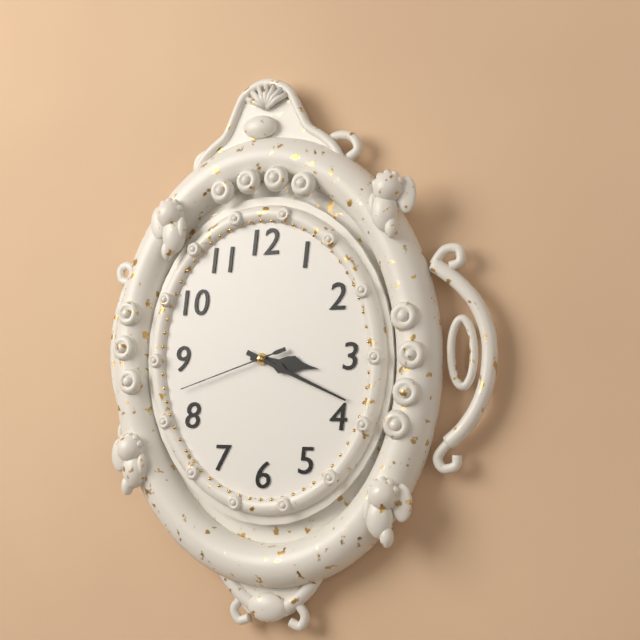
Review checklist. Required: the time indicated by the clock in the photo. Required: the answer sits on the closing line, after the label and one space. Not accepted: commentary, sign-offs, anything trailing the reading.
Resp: 3:19:42
